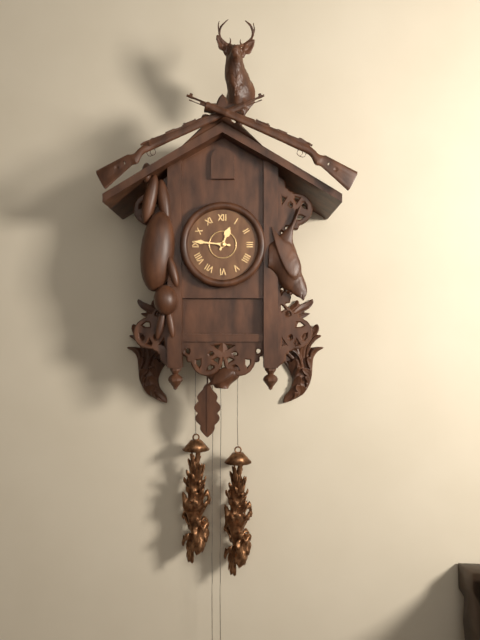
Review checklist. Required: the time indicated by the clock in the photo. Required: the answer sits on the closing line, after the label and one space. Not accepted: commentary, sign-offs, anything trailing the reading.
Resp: 12:46
